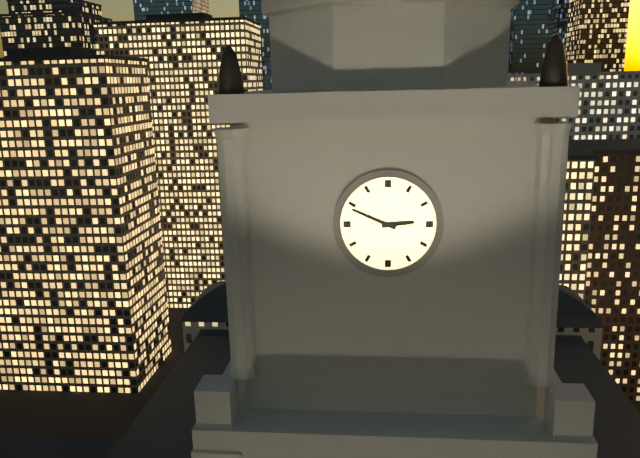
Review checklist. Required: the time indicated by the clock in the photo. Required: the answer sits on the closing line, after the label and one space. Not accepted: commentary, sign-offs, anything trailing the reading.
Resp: 2:49
